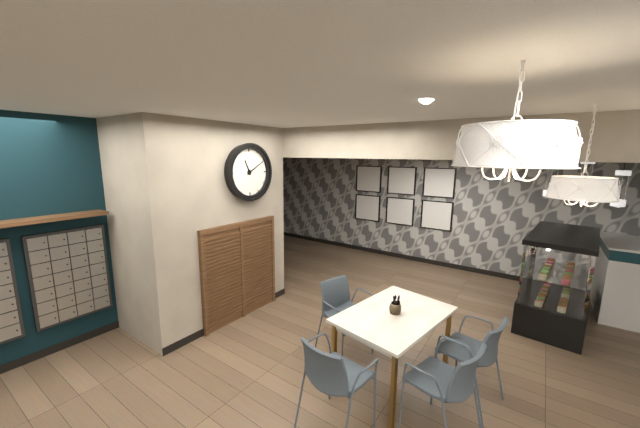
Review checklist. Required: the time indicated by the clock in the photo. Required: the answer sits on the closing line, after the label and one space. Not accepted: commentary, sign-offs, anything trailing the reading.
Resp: 11:10
